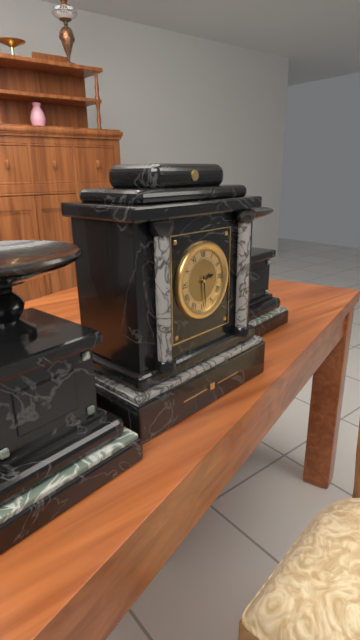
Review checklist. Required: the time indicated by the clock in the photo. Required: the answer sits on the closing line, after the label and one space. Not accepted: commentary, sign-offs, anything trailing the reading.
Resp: 2:29
